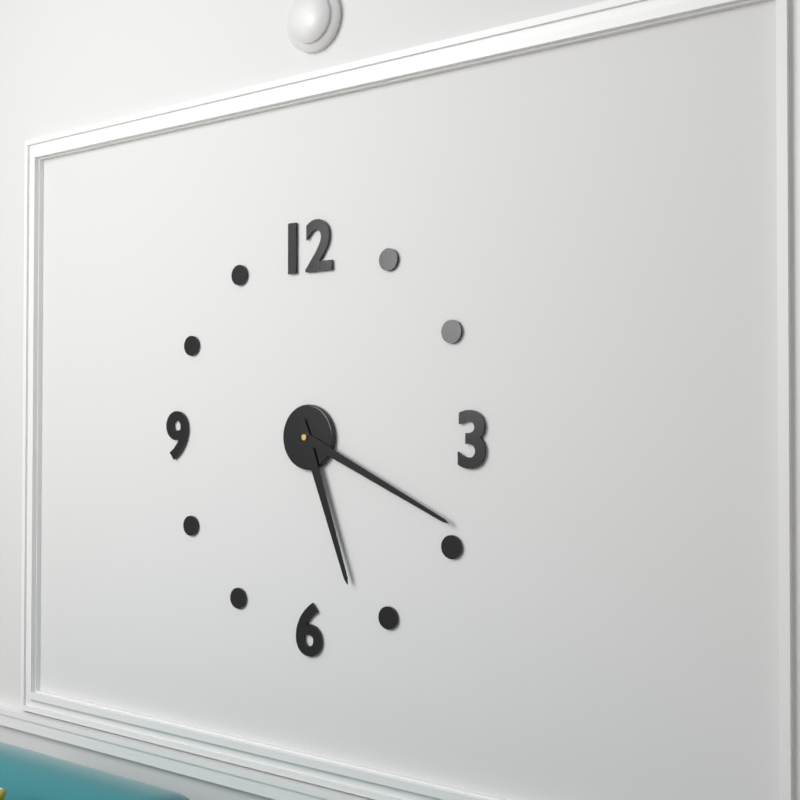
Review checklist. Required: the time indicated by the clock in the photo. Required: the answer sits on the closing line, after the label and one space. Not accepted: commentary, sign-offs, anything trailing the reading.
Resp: 5:19
